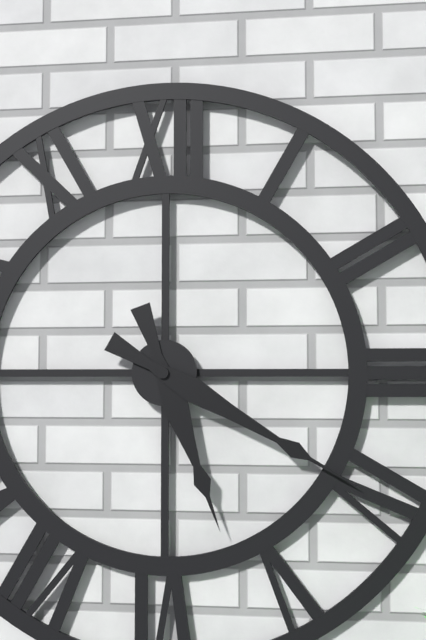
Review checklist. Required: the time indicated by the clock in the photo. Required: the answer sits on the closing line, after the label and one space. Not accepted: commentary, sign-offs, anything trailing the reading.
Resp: 5:20
